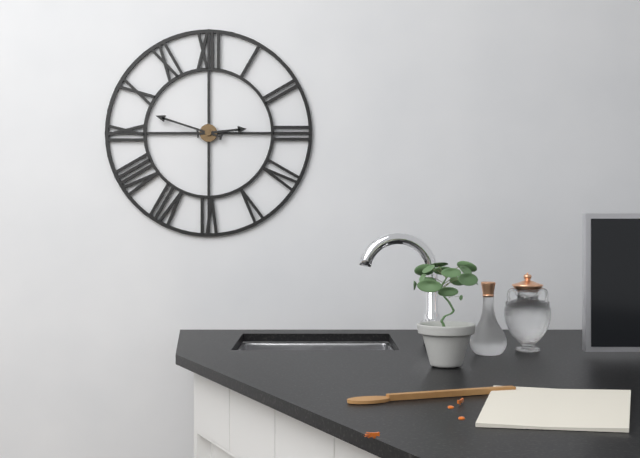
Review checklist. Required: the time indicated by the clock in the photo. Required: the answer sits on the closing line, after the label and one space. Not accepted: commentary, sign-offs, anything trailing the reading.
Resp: 2:48
